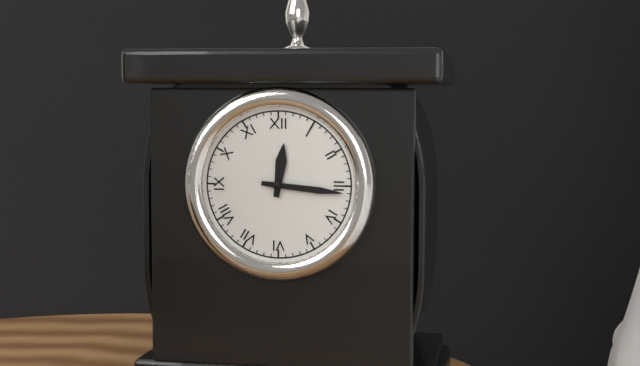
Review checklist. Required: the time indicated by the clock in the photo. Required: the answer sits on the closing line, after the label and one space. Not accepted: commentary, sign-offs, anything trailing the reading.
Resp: 12:16
